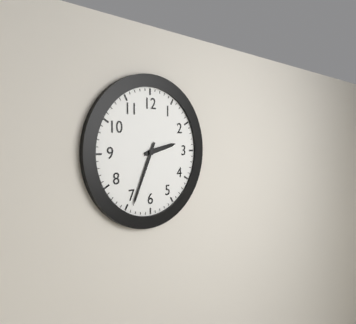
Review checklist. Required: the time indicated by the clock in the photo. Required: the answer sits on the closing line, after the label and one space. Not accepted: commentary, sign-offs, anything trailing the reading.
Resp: 2:34
